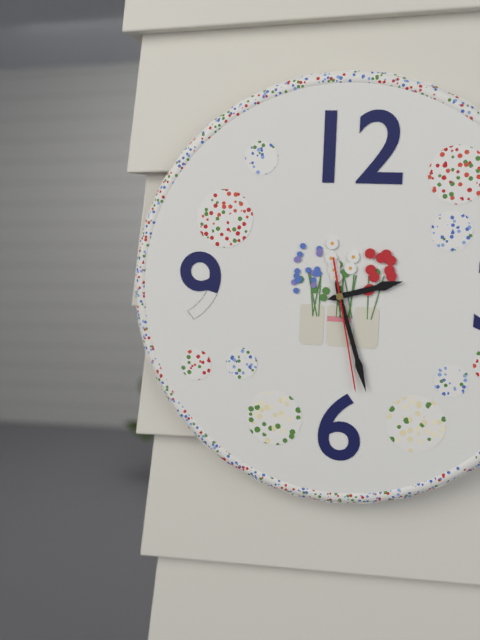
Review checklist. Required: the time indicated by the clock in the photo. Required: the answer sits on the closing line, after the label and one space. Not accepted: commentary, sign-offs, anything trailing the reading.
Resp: 2:27:28
